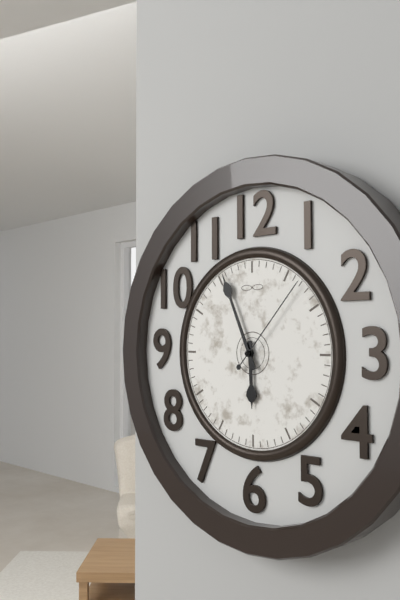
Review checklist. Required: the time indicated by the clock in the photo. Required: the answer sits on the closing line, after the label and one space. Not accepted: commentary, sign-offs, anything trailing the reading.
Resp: 5:56:07
